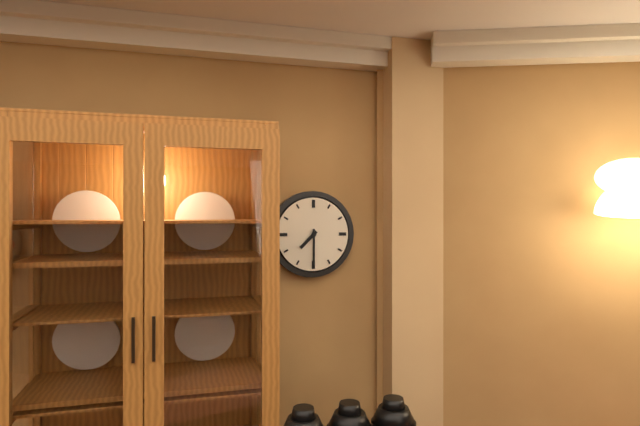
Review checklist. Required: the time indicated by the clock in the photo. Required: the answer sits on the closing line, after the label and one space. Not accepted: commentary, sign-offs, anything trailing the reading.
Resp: 7:30
